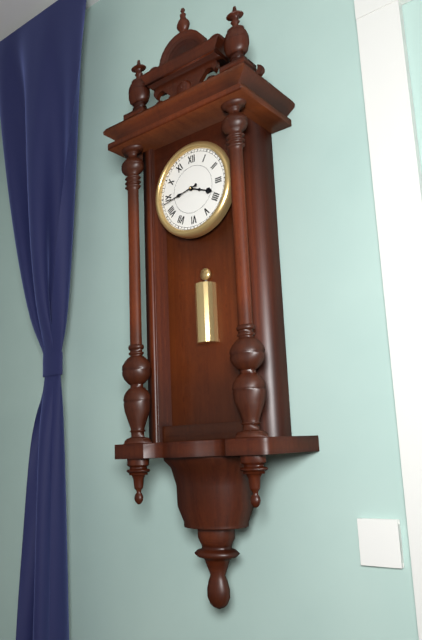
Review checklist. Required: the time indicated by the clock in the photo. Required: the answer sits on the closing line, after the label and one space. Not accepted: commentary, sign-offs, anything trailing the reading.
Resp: 3:43
